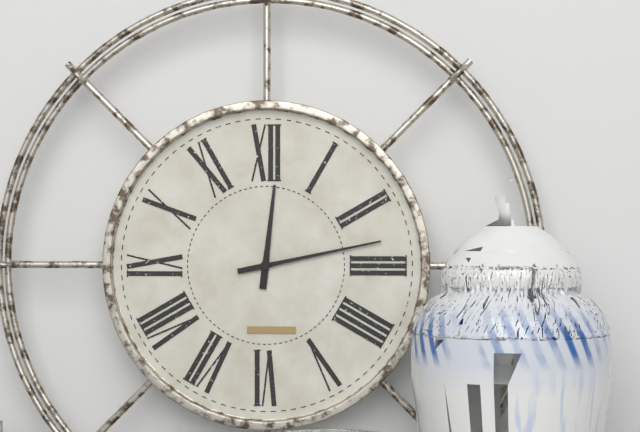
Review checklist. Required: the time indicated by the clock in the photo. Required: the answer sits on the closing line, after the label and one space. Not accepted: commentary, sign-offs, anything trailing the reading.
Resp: 12:13
